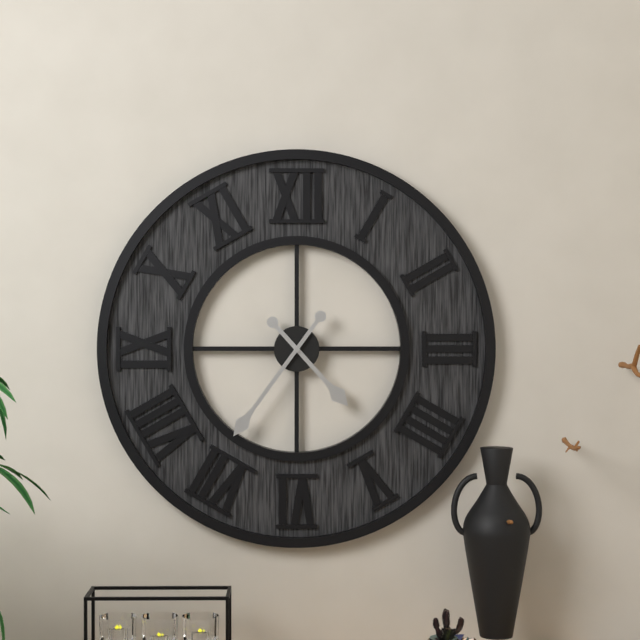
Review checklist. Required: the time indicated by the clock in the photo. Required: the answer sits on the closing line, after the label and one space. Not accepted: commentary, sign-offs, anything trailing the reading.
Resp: 4:36
